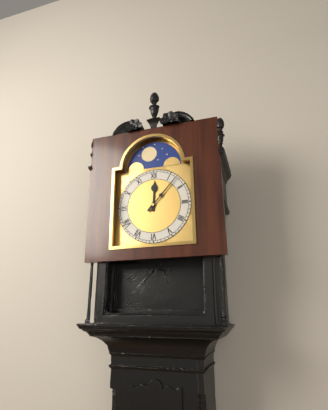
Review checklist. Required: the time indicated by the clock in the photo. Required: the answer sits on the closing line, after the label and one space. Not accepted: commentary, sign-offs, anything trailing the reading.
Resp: 12:07
